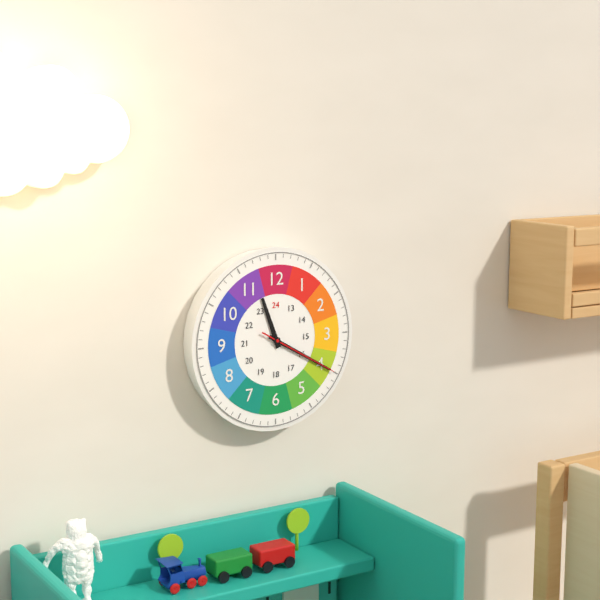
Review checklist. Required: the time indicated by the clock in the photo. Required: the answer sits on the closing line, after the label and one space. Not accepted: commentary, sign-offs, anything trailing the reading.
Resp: 11:20:20
